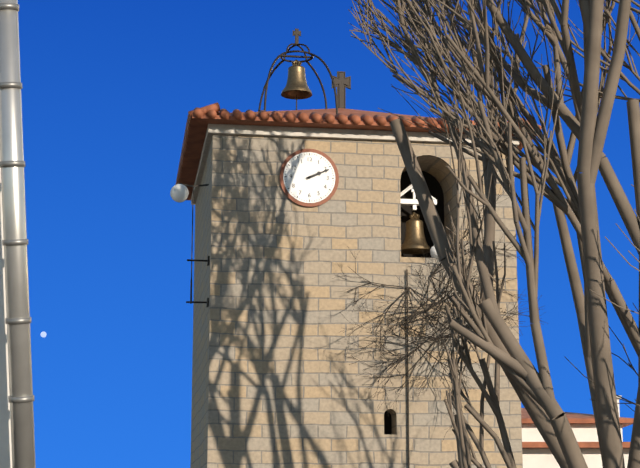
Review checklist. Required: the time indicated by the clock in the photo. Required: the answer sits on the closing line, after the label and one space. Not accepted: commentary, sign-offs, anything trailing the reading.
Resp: 2:11
